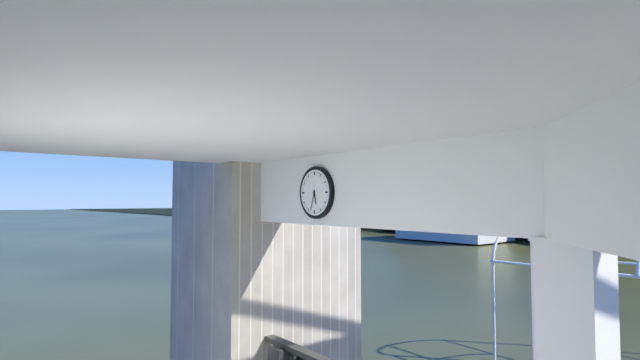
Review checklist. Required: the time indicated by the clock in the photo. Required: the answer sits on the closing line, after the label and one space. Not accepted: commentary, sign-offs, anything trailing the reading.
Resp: 5:33
